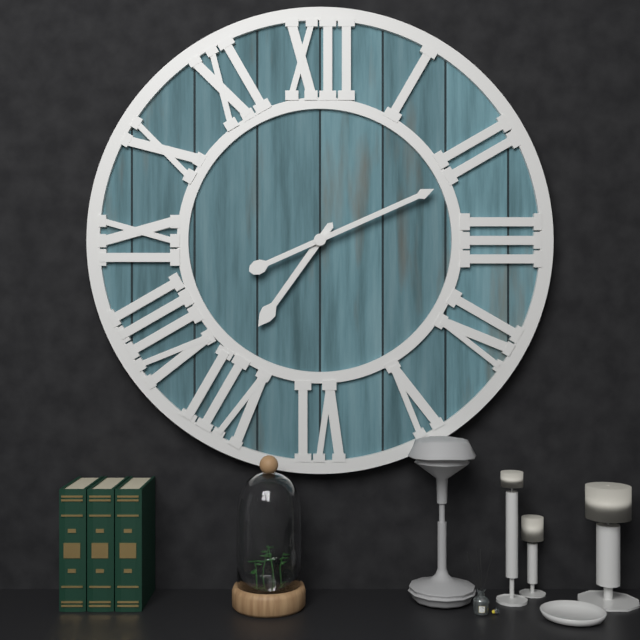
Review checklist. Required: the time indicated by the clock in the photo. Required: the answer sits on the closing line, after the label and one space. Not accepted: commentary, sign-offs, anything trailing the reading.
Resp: 7:11
